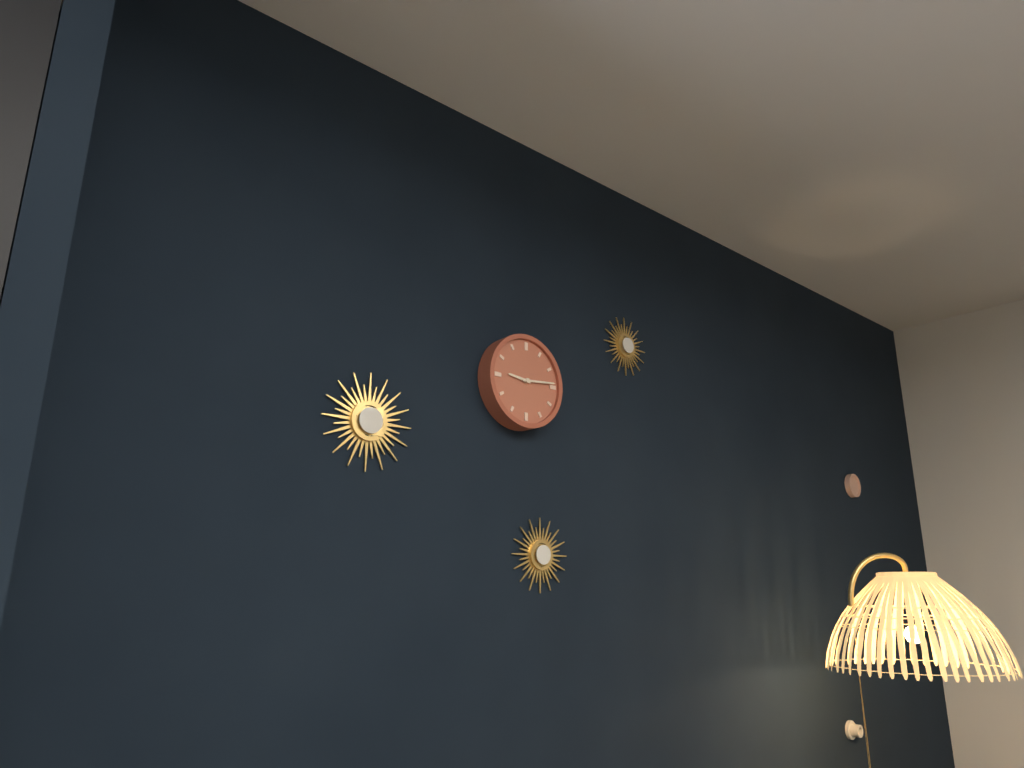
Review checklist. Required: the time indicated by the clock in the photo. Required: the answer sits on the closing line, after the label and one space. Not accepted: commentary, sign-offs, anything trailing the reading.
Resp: 9:14
